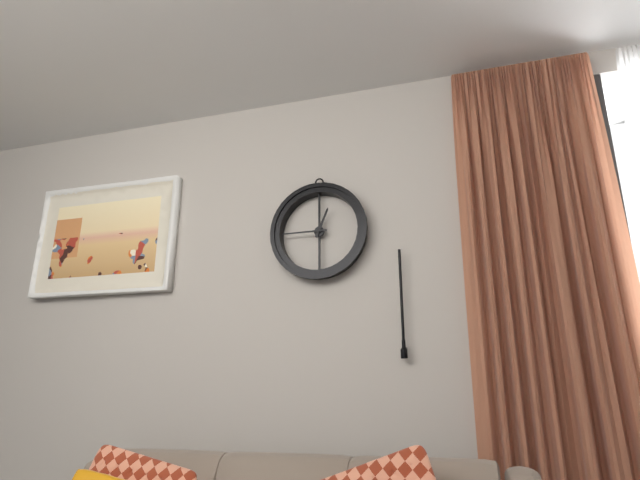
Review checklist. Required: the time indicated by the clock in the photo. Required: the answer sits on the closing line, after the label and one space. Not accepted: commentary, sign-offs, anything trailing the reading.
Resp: 12:45
